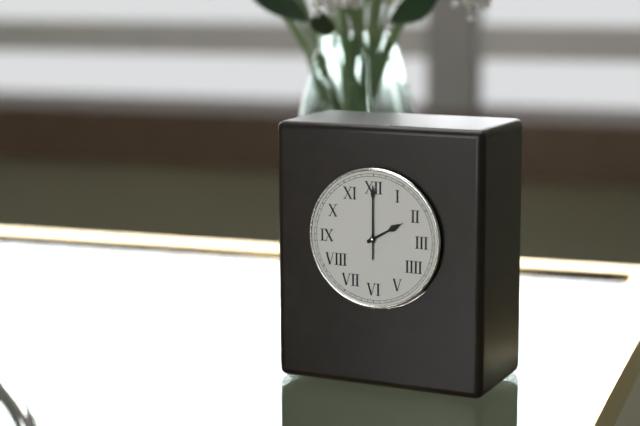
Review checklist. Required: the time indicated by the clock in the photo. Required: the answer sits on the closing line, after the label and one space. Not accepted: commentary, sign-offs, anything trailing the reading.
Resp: 2:00
